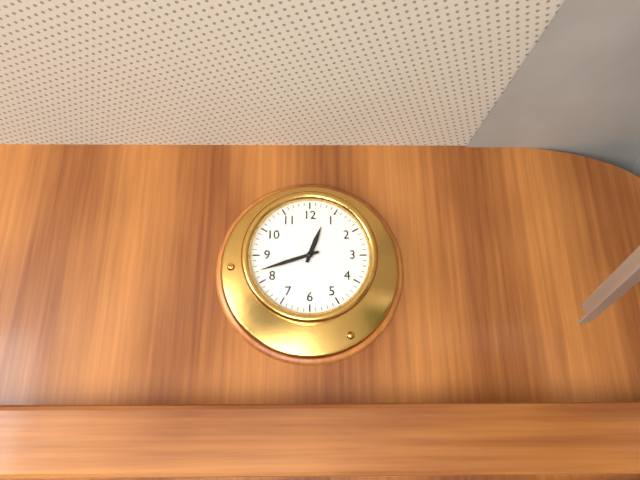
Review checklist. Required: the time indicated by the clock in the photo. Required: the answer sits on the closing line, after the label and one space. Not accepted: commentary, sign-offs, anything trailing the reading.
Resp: 12:42
